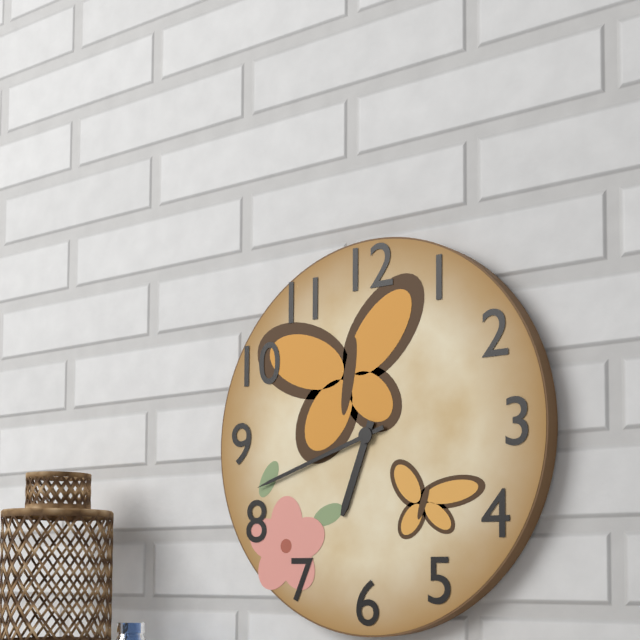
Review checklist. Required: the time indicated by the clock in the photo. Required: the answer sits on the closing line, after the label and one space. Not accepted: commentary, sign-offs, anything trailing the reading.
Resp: 6:42
